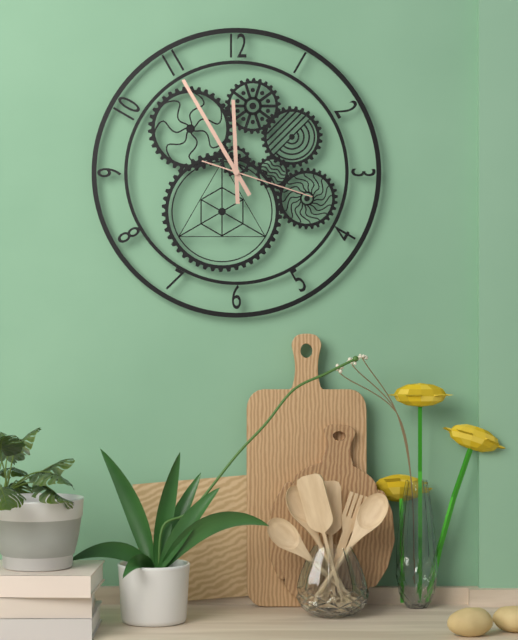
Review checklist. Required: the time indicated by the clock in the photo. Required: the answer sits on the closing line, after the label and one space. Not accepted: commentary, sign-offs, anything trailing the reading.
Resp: 11:55:18
